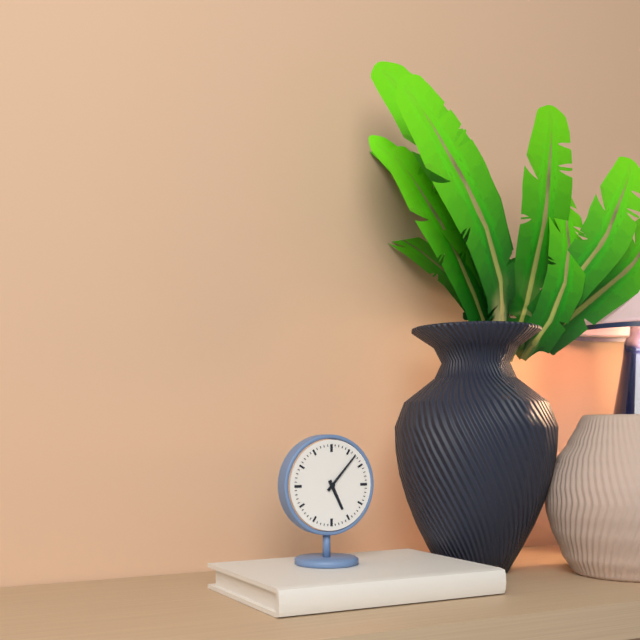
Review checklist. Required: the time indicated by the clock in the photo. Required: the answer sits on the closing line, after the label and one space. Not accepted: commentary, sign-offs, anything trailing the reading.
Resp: 5:07
